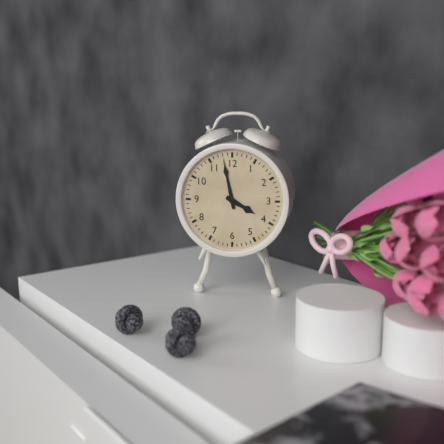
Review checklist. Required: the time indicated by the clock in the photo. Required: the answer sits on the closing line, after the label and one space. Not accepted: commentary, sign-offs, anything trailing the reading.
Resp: 3:58
